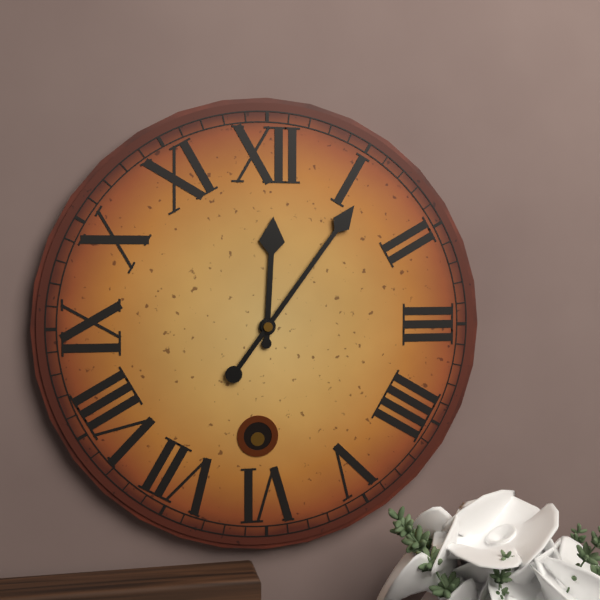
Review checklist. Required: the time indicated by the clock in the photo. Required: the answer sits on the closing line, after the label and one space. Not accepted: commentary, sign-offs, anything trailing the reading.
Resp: 12:06
